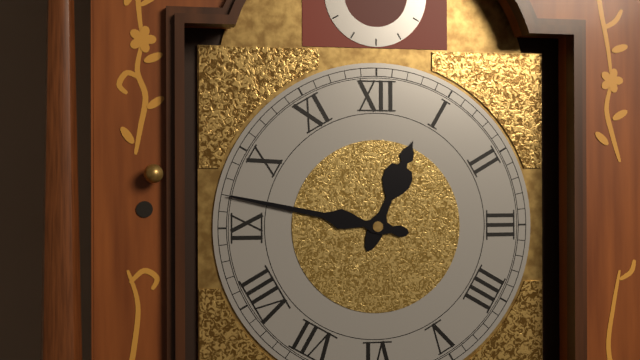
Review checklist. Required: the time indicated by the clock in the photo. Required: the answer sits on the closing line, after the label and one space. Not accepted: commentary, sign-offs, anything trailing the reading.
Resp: 12:47
